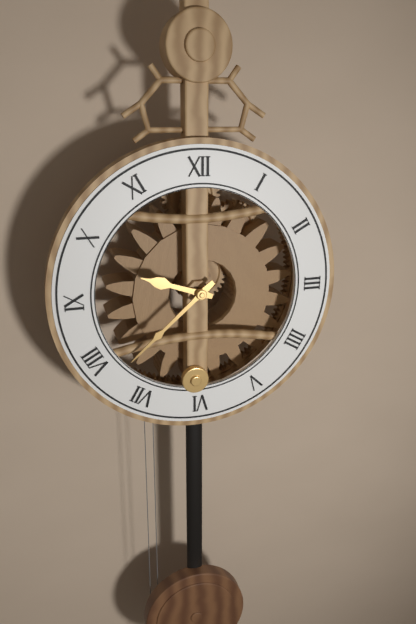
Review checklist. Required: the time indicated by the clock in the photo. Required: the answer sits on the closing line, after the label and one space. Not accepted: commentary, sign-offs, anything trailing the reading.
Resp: 9:38
